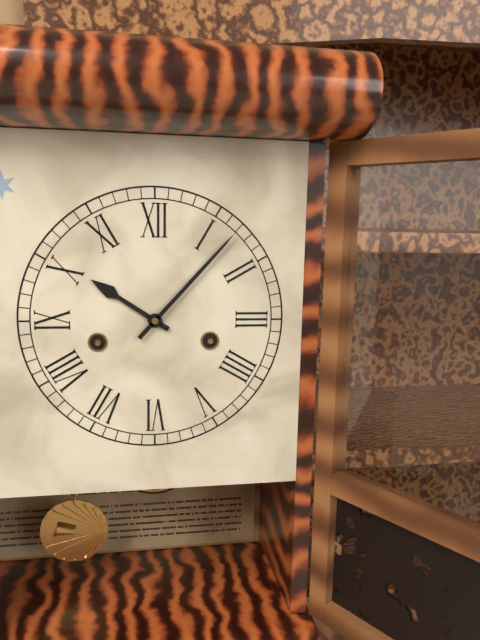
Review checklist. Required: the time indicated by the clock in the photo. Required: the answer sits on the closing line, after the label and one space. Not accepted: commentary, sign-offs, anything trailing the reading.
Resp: 10:07
